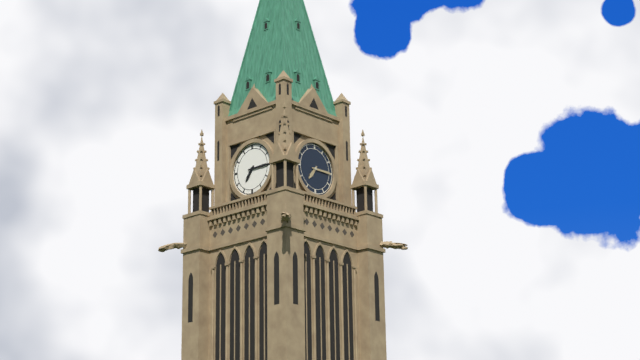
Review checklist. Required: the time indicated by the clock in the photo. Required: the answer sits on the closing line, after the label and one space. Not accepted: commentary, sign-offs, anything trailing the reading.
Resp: 7:15
